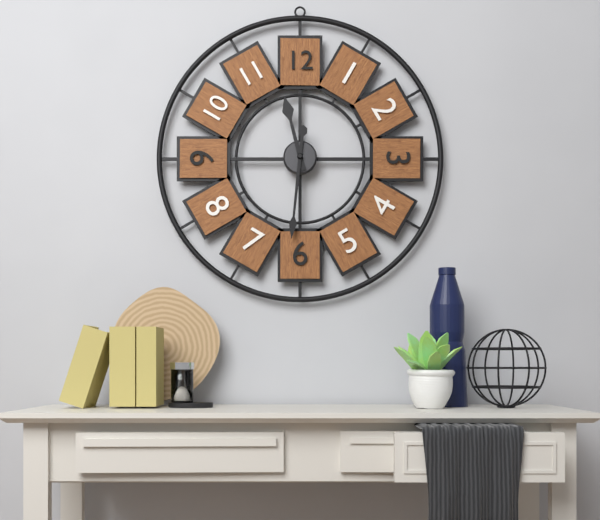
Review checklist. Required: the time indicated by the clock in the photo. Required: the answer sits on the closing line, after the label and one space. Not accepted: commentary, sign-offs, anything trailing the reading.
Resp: 11:31
